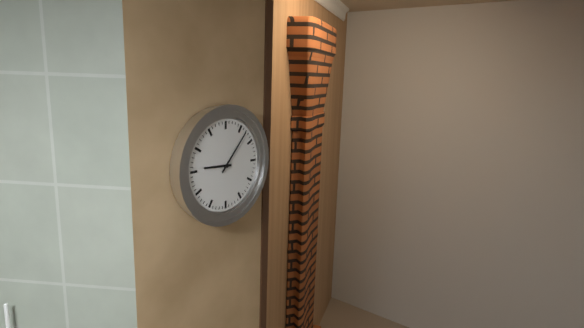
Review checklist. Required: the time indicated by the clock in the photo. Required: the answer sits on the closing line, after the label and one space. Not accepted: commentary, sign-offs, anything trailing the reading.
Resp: 9:07
